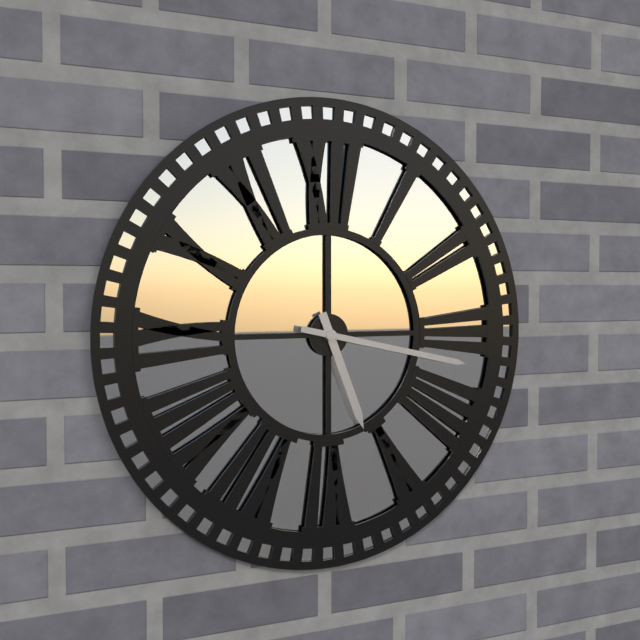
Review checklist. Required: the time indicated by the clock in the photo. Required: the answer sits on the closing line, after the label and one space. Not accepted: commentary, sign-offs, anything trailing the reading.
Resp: 5:17
